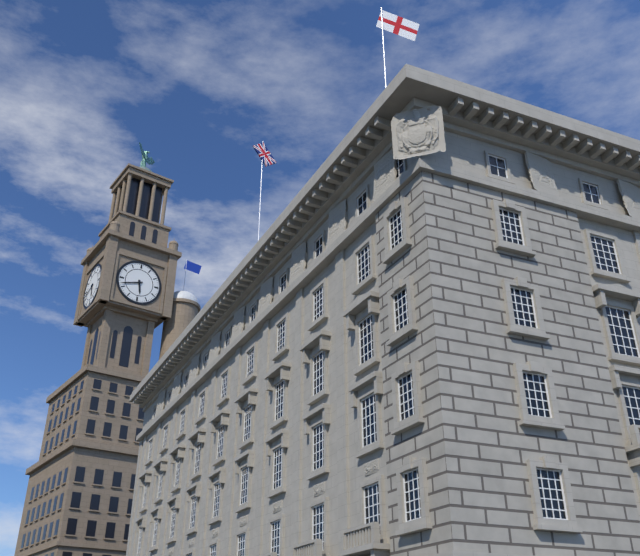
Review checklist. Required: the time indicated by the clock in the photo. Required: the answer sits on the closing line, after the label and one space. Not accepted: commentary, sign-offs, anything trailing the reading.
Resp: 5:42
